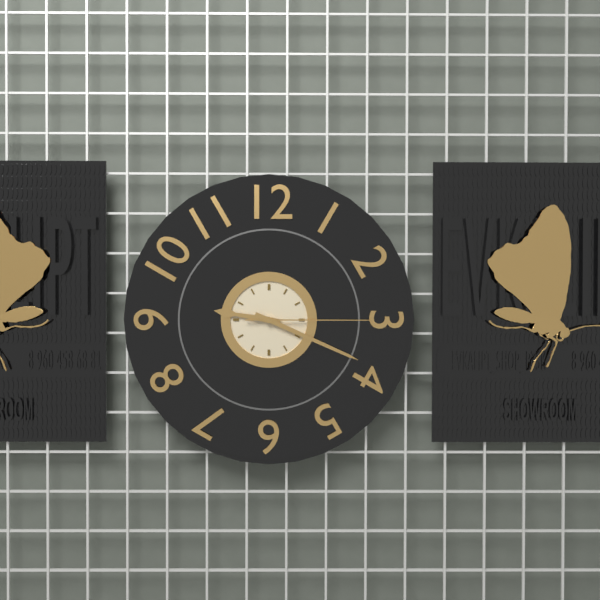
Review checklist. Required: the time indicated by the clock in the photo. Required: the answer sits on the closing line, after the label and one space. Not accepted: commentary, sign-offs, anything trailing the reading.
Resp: 9:19:15
